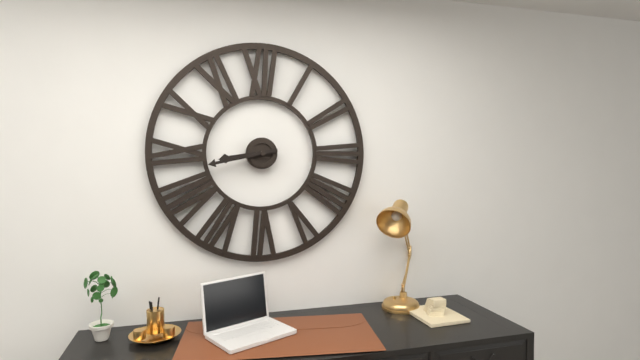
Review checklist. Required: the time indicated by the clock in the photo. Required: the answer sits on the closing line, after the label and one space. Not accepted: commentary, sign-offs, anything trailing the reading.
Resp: 8:43
